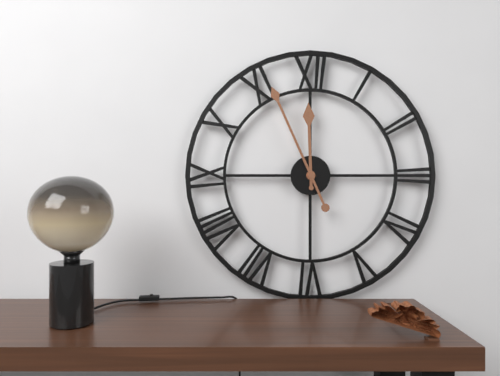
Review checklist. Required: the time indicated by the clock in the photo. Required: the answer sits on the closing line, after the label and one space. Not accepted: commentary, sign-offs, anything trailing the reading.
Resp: 11:56
